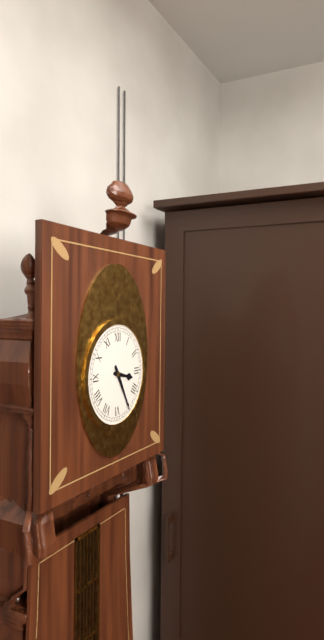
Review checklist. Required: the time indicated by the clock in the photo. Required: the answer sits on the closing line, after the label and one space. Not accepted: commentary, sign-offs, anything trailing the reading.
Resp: 3:25
